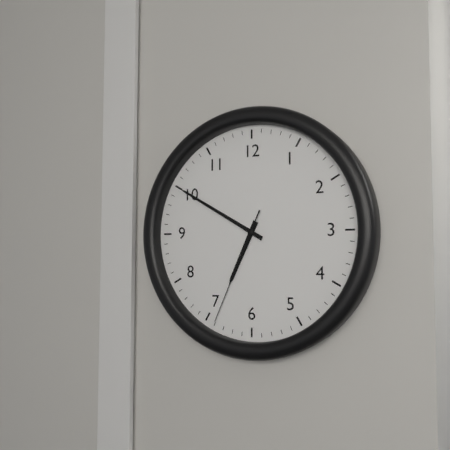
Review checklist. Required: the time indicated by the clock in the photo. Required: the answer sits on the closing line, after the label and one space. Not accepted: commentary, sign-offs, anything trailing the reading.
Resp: 6:50:34
